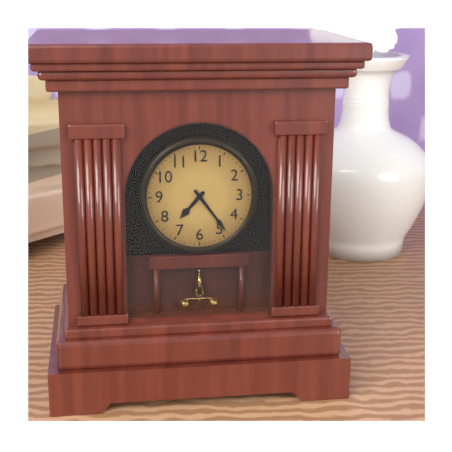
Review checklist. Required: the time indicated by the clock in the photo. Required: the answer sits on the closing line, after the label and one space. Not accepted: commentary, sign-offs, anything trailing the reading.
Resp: 7:24
